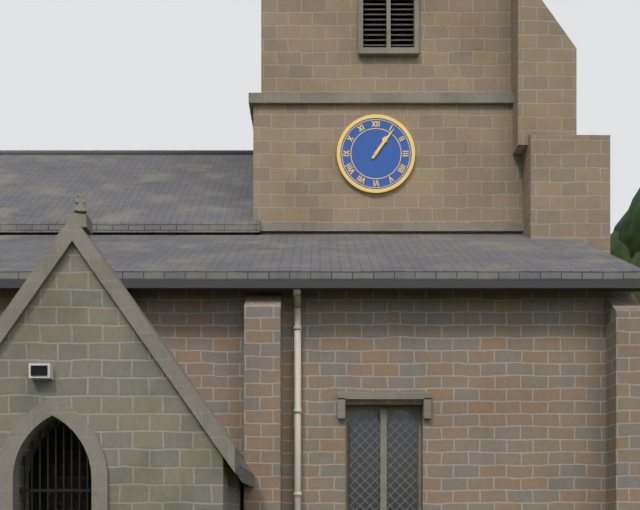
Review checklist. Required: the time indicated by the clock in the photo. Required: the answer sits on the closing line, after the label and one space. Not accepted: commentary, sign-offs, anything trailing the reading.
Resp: 1:06
